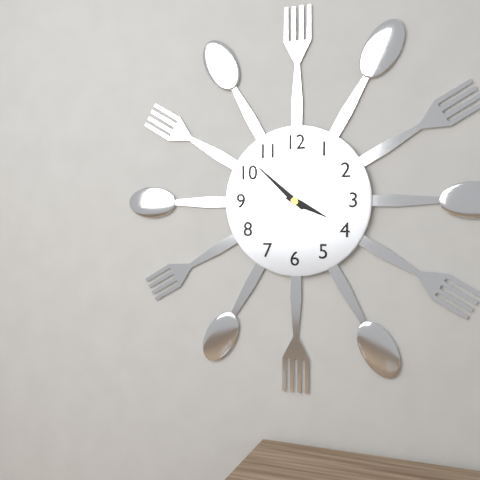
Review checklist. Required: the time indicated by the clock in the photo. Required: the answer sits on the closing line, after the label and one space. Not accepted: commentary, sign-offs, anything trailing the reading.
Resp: 3:52
